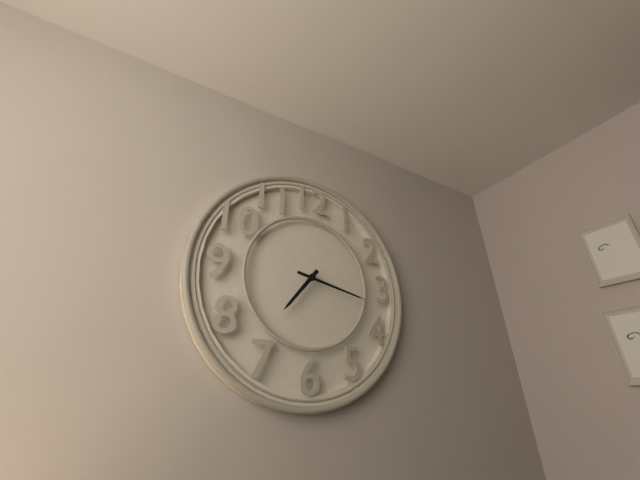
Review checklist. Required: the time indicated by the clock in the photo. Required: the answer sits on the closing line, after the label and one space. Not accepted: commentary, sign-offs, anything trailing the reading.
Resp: 7:17
